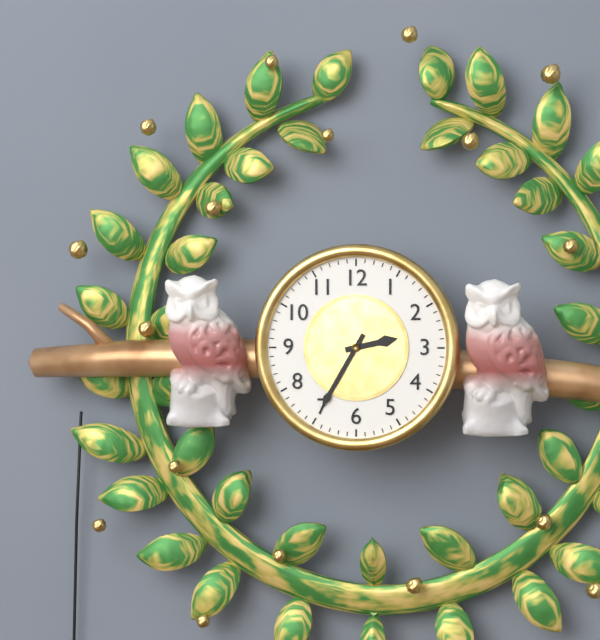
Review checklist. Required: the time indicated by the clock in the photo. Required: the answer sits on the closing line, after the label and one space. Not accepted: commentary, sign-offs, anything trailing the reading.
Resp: 2:35
